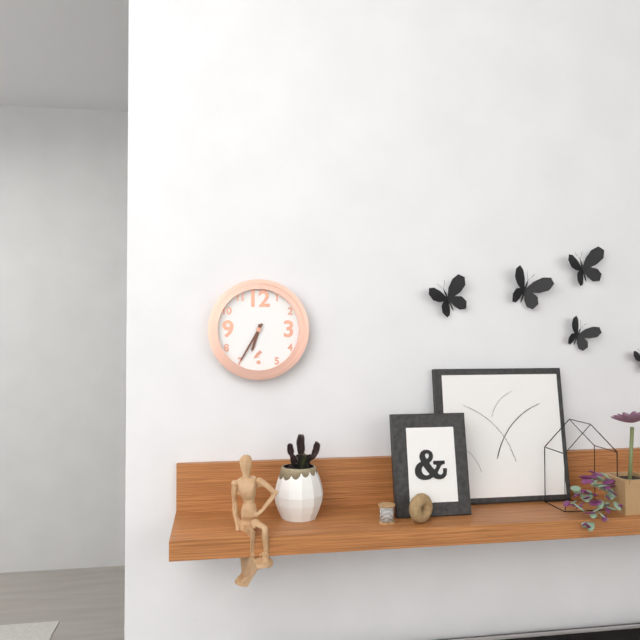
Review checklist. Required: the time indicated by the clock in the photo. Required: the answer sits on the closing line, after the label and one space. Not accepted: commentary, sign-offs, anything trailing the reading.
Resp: 6:35
